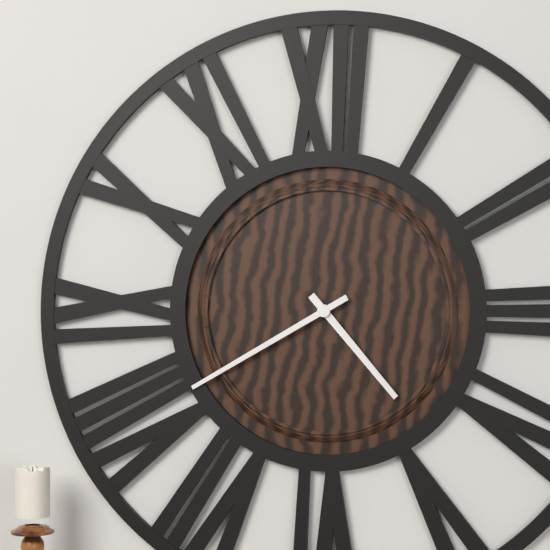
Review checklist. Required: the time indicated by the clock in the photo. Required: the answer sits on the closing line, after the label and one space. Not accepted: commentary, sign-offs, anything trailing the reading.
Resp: 4:40
